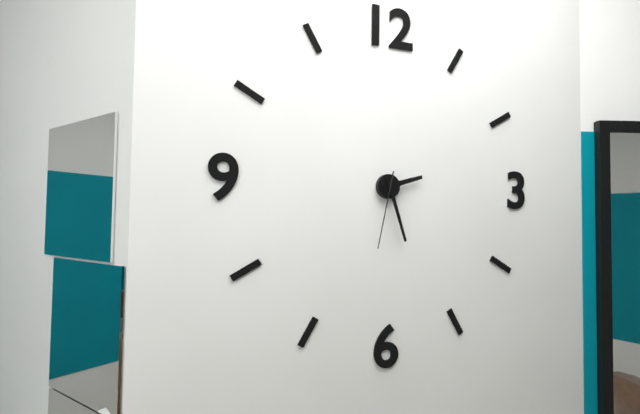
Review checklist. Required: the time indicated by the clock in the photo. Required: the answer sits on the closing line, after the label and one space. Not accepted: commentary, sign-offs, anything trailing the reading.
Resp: 2:27:32
